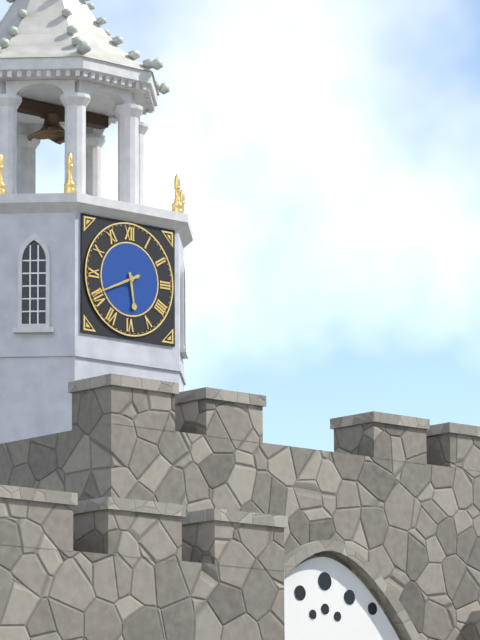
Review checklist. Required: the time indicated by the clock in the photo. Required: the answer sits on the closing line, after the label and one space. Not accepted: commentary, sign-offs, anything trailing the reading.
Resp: 5:41
